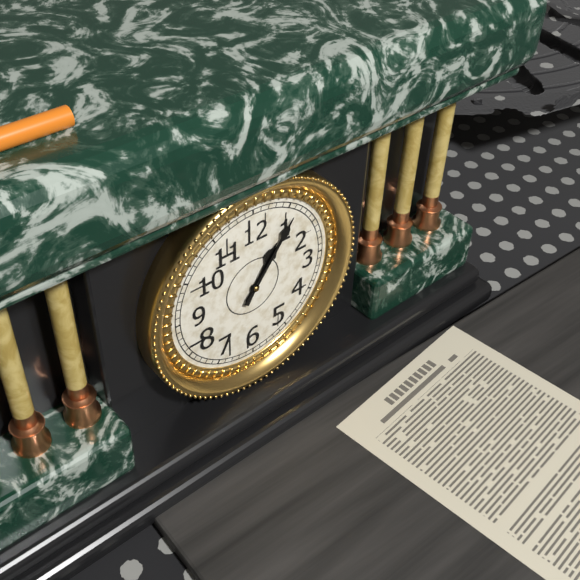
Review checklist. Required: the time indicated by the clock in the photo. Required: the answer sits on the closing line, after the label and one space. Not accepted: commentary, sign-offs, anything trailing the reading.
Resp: 1:06
